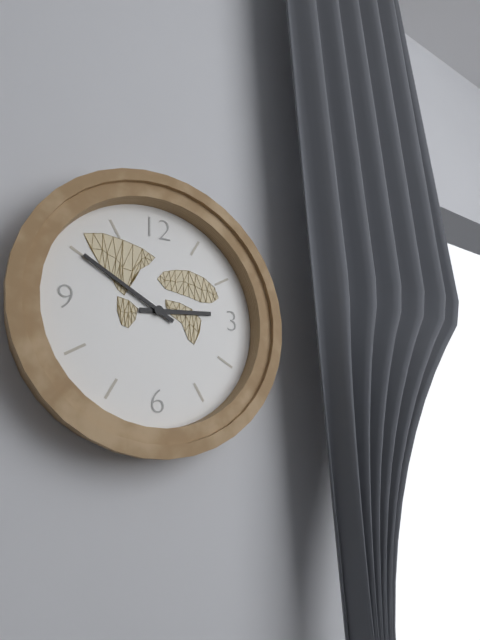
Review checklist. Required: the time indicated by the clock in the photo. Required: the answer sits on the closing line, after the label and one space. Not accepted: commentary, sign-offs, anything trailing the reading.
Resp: 2:50
